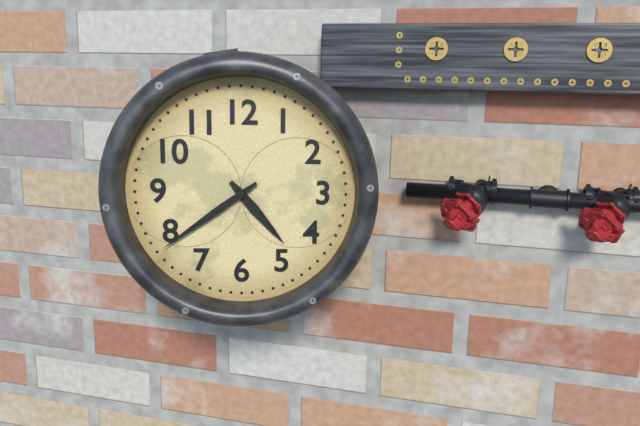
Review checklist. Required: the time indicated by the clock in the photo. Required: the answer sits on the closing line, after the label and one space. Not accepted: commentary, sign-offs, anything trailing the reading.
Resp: 4:39
